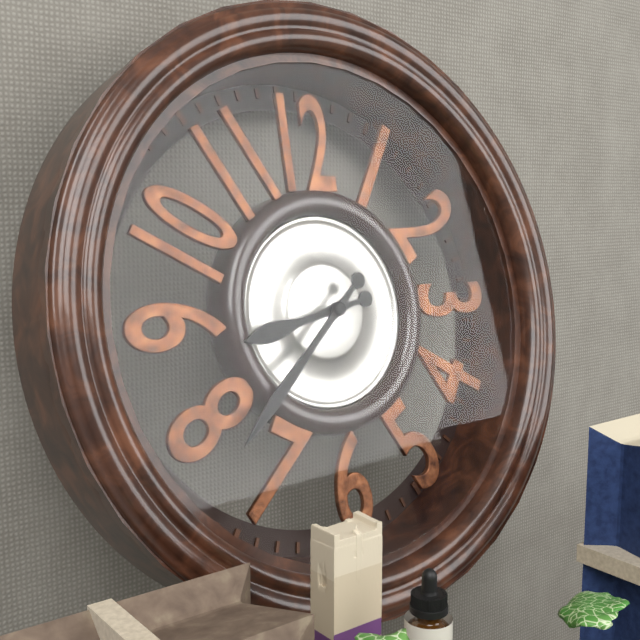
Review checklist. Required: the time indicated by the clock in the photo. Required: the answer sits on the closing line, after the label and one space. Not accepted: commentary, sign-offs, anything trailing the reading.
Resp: 8:38
